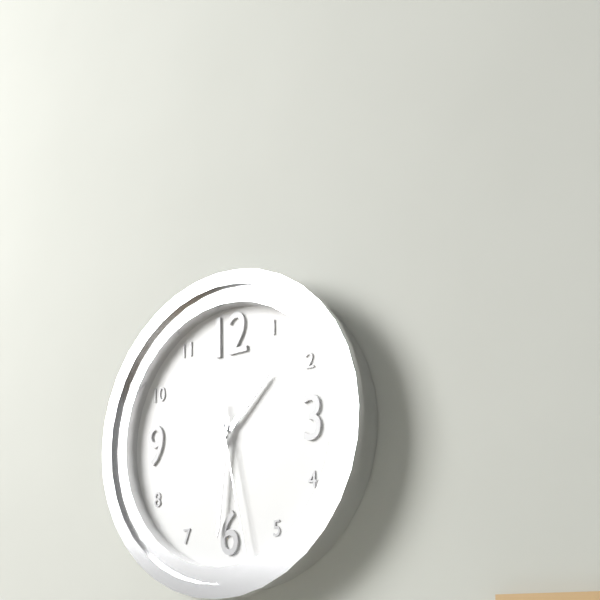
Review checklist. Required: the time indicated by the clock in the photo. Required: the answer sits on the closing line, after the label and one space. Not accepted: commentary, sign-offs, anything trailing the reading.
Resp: 1:31:28
